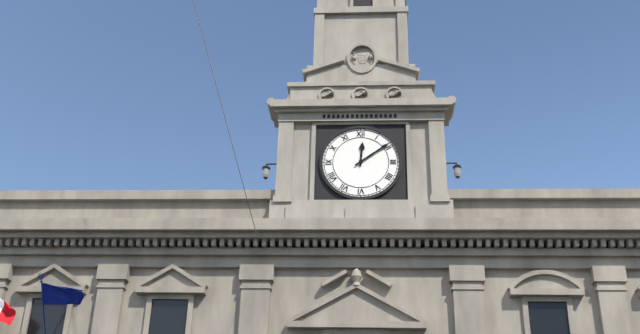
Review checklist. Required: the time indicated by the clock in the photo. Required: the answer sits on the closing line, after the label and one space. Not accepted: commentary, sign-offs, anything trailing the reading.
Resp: 12:09
